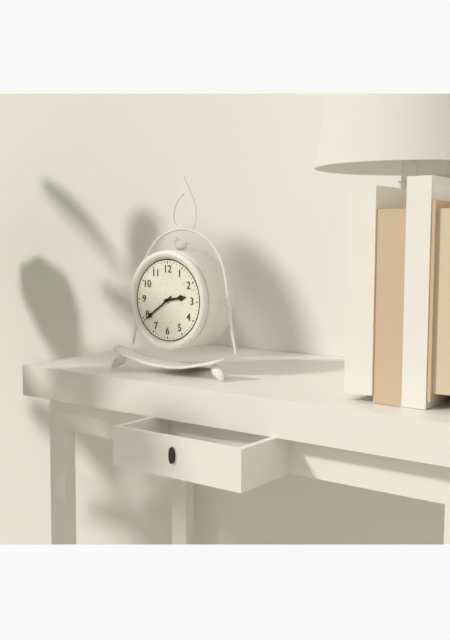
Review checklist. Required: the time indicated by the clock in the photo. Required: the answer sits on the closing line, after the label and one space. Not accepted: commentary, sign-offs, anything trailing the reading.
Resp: 2:39
